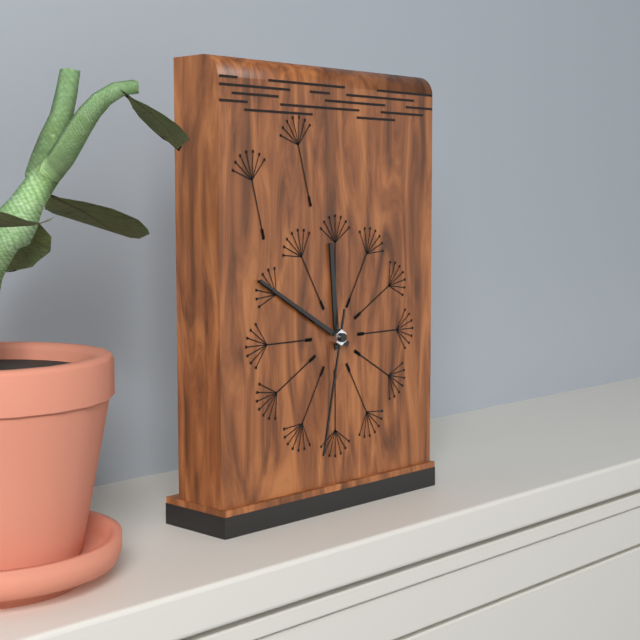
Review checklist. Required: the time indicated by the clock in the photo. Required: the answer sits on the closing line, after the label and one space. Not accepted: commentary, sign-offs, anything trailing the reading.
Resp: 11:50:32
